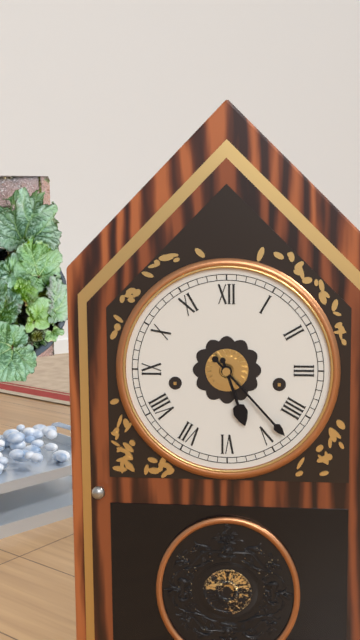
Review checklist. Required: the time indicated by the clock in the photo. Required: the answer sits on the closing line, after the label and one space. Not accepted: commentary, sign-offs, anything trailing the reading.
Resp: 5:23
